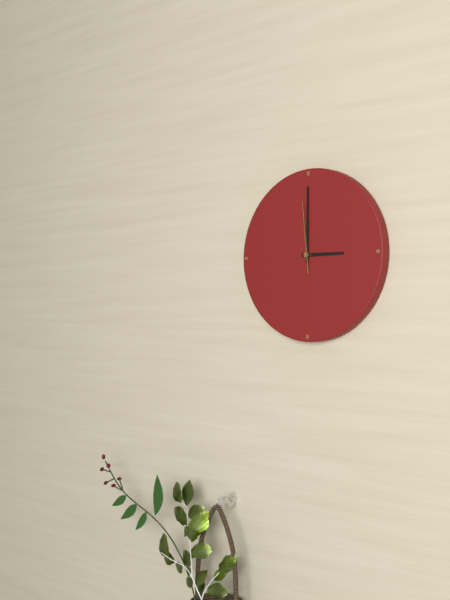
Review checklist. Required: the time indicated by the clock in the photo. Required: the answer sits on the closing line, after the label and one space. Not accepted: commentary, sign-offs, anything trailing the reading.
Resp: 3:00:59
